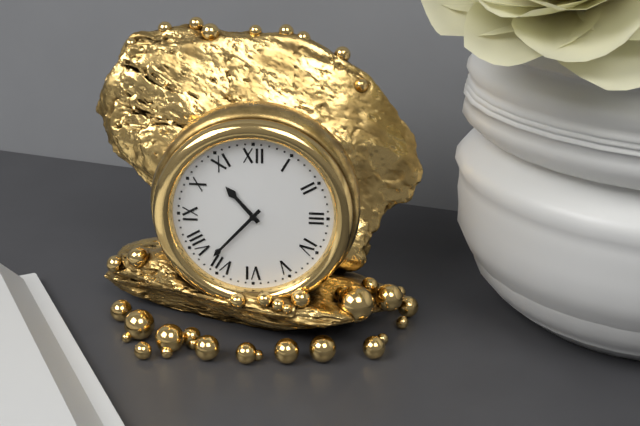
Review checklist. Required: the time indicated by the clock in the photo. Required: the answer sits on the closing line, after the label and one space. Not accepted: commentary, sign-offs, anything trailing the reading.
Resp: 10:37
